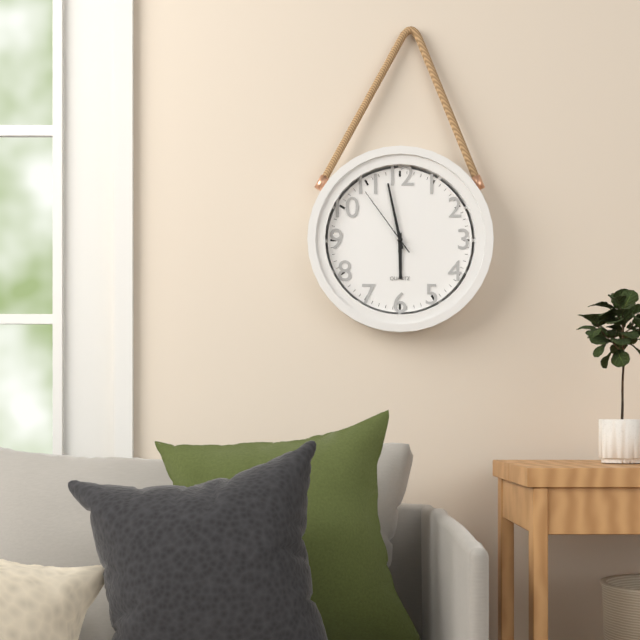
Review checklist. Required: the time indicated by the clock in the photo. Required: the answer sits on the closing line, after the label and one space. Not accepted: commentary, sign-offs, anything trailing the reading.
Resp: 5:58:54
